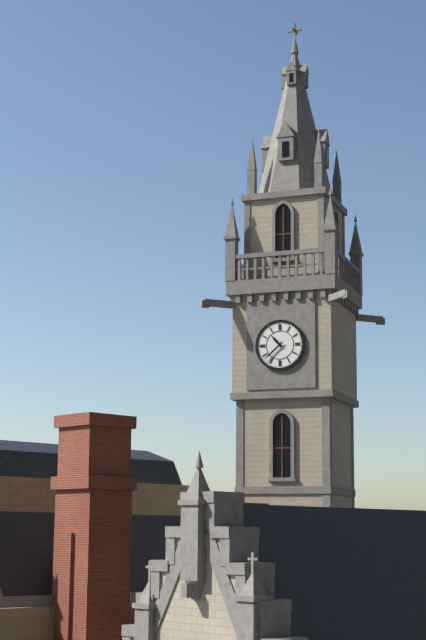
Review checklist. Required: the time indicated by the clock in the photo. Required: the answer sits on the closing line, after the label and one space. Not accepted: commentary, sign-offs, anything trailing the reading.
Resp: 10:38
